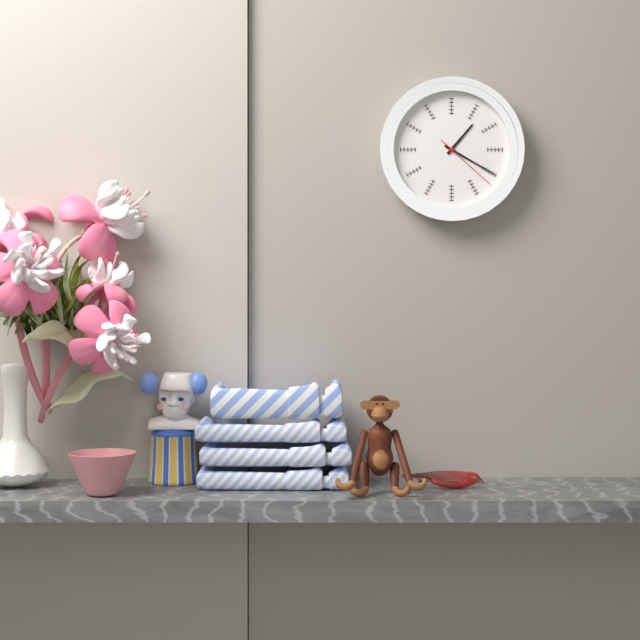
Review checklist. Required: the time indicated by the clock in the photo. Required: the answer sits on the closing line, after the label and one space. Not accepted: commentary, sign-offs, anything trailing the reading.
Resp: 1:20:22
